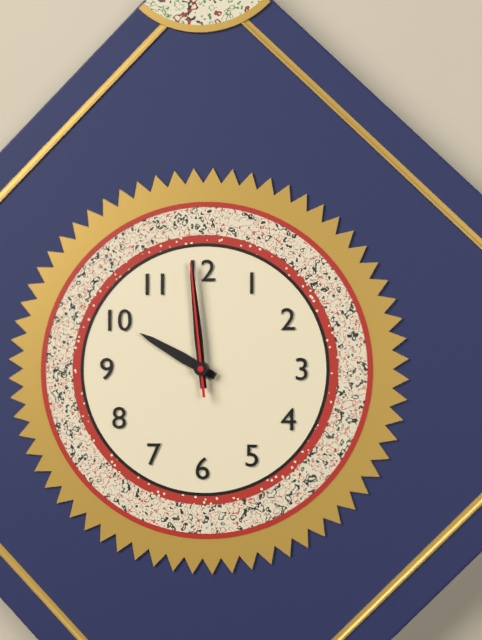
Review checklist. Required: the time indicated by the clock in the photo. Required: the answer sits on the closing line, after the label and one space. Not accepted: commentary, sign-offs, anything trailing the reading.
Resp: 9:59:59
